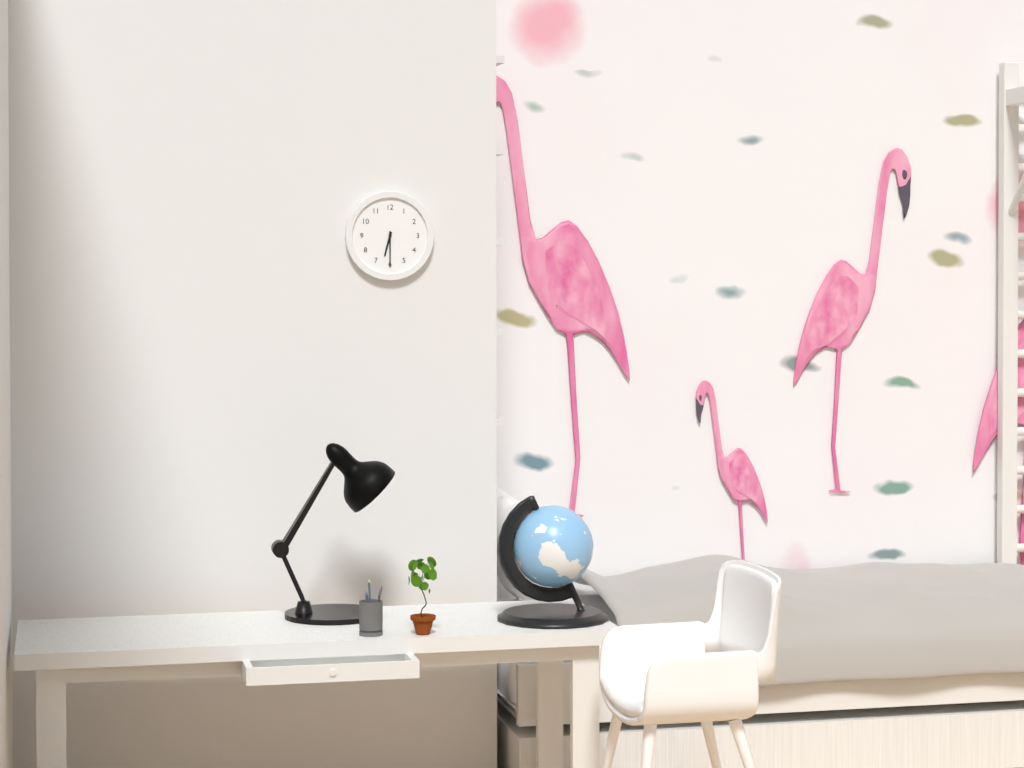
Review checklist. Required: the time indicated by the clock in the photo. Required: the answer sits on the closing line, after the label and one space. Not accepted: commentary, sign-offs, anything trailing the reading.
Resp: 6:30
